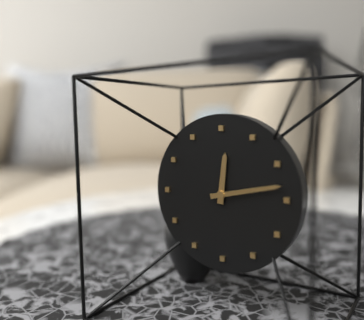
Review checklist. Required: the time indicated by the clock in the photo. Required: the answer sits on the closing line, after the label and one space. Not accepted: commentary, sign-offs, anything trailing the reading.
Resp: 12:13
